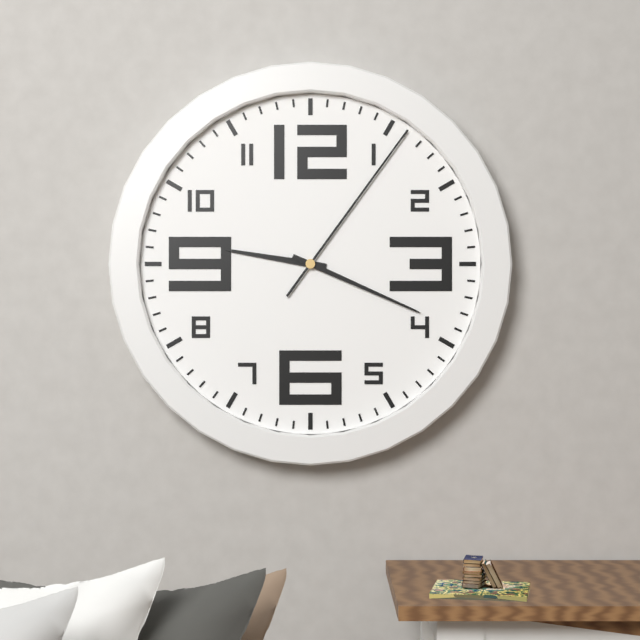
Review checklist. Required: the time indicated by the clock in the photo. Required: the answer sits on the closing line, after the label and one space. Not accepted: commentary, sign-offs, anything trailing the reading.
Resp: 9:19:06
